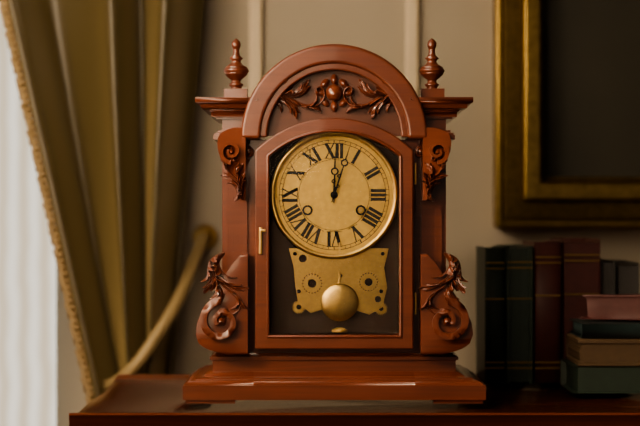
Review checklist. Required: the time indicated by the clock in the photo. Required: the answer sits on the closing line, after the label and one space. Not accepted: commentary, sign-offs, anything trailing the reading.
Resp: 12:03
